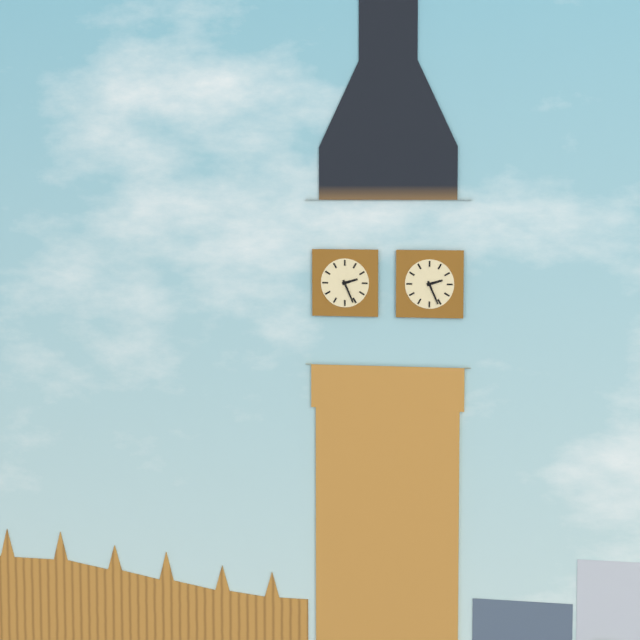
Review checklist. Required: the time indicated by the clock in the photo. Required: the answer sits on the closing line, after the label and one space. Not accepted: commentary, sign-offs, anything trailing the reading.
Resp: 2:26
